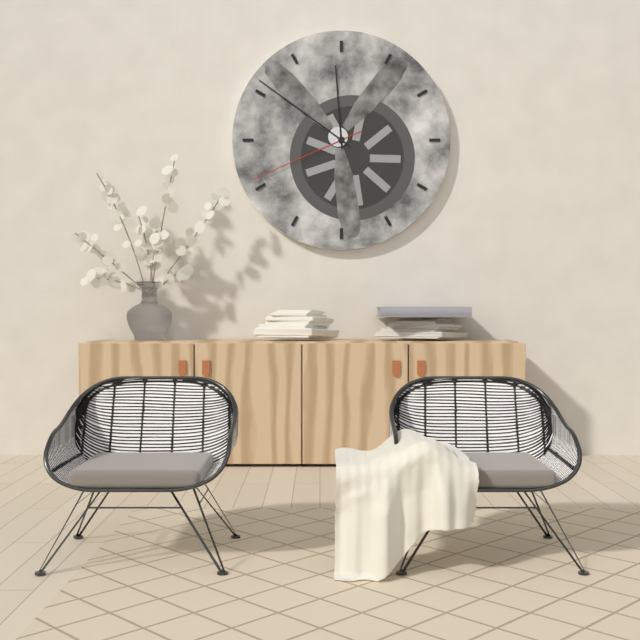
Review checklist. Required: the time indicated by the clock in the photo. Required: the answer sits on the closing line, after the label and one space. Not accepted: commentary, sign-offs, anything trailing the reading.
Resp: 11:51:41
